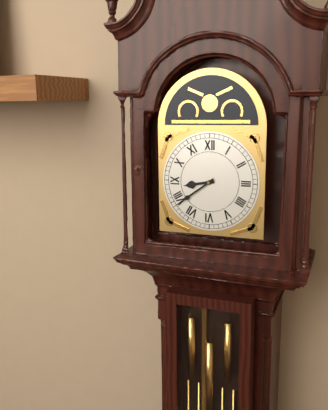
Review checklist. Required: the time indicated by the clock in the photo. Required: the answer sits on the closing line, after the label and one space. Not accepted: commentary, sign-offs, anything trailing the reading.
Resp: 8:39
